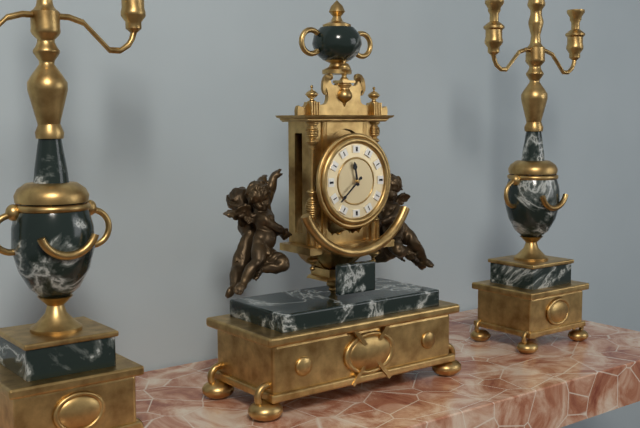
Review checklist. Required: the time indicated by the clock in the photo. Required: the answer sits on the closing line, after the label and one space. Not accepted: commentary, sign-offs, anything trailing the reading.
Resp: 11:38
